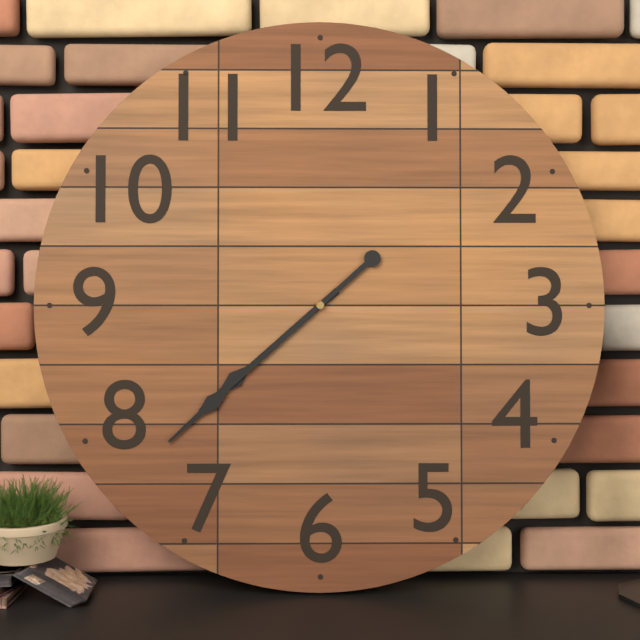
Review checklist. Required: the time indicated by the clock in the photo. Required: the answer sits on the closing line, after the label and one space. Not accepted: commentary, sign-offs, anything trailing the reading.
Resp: 7:38
